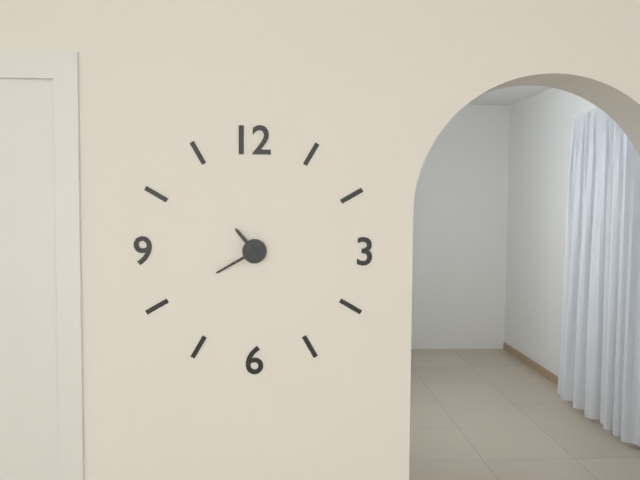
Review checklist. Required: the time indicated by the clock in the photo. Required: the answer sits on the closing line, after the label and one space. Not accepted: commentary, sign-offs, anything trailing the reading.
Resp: 10:40
